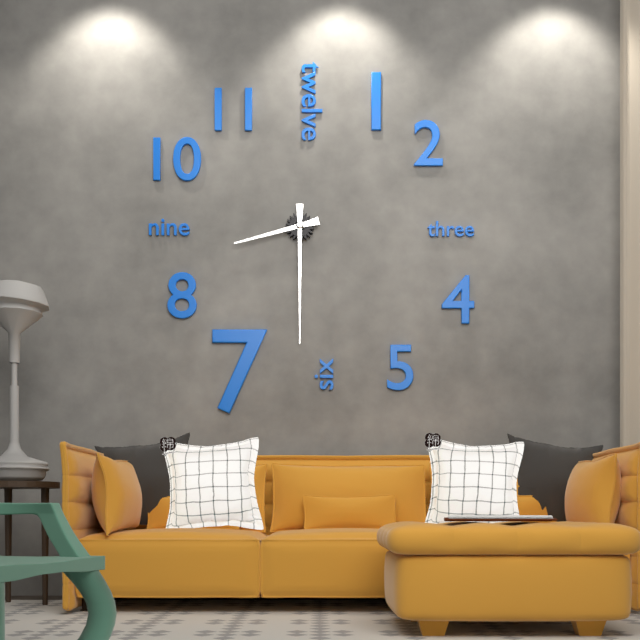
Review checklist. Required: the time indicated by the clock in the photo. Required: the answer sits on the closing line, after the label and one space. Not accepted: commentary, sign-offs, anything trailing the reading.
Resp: 8:30
